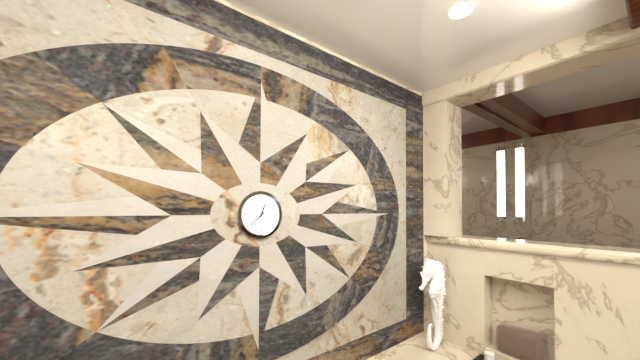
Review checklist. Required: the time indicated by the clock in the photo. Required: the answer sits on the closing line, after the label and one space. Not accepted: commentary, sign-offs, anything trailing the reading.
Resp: 12:38
